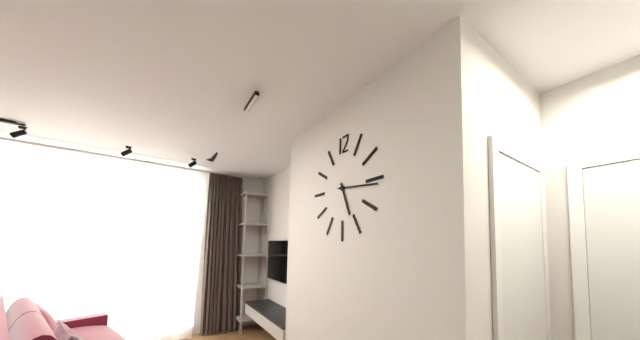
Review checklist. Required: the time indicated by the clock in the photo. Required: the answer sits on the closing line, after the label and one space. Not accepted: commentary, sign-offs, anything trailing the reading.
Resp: 5:16
